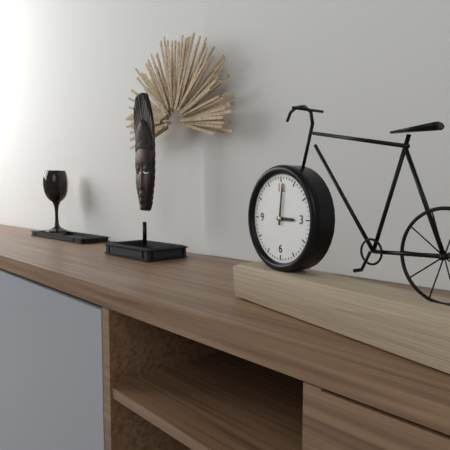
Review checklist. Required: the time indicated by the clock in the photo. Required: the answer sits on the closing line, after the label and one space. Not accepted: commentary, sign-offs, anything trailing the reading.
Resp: 3:01
